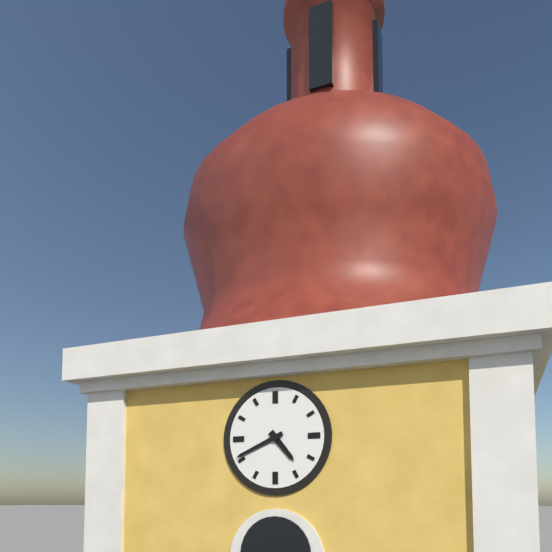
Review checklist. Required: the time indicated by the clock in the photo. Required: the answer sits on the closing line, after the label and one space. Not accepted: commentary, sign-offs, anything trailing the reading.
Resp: 4:41
